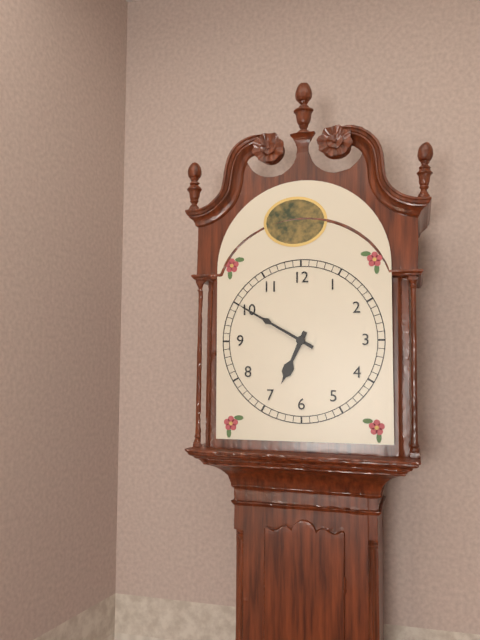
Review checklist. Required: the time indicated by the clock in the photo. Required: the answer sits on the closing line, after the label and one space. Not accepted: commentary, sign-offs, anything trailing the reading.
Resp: 6:50
